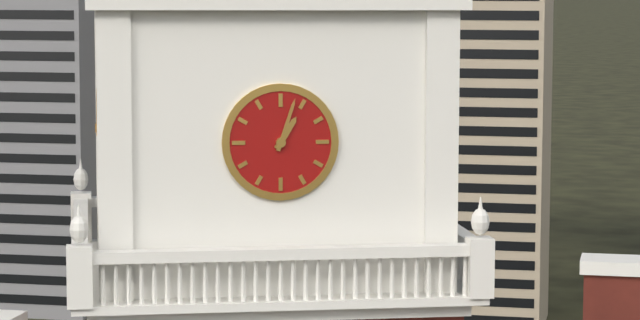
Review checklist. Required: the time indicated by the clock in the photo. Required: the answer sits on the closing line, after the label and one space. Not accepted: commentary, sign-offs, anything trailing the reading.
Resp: 1:03
